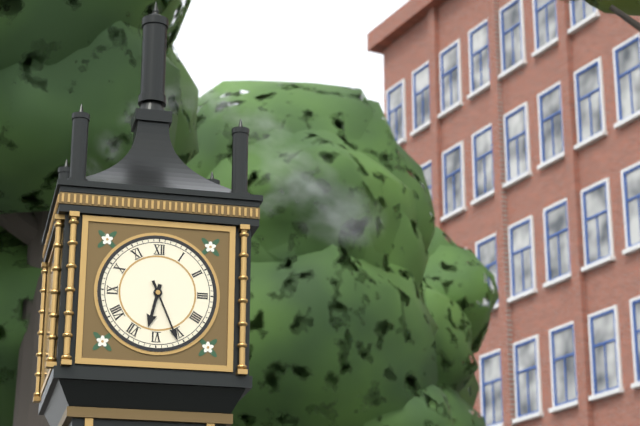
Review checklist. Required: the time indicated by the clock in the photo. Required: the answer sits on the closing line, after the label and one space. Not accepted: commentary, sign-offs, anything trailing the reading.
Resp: 6:26
